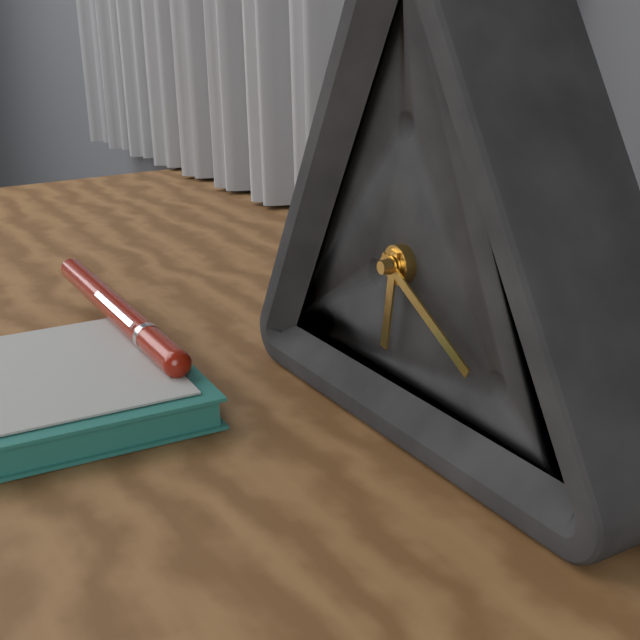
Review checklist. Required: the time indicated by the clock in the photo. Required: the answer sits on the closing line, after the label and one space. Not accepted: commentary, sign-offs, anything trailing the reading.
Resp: 6:20
